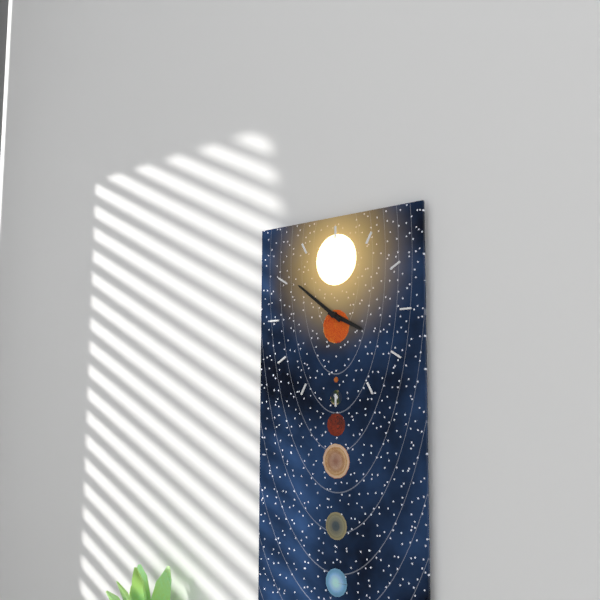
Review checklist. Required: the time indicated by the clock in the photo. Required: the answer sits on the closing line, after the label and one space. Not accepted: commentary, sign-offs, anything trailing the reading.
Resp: 3:51
